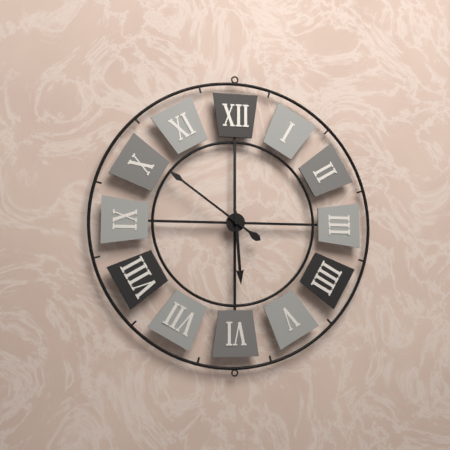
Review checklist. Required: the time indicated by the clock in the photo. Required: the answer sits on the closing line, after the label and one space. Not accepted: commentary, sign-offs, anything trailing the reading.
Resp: 5:51
